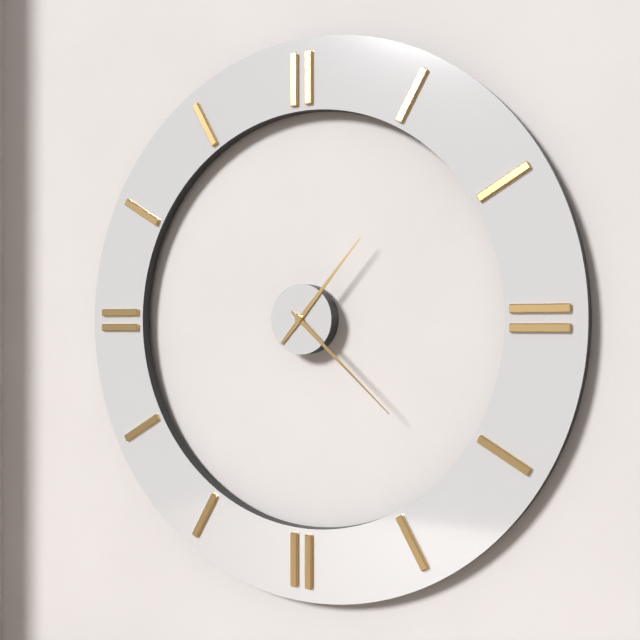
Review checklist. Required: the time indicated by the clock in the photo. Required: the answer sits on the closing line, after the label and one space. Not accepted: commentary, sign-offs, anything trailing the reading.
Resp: 1:22
